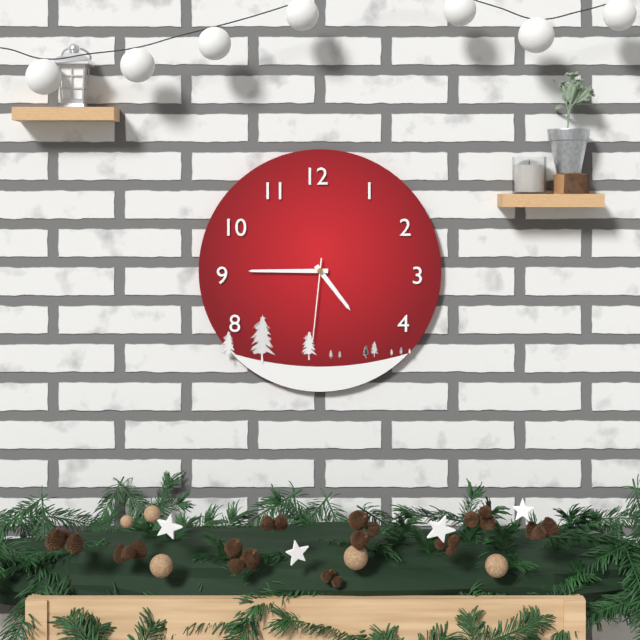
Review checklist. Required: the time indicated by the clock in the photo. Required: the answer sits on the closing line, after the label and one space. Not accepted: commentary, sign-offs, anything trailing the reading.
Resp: 4:45:31
